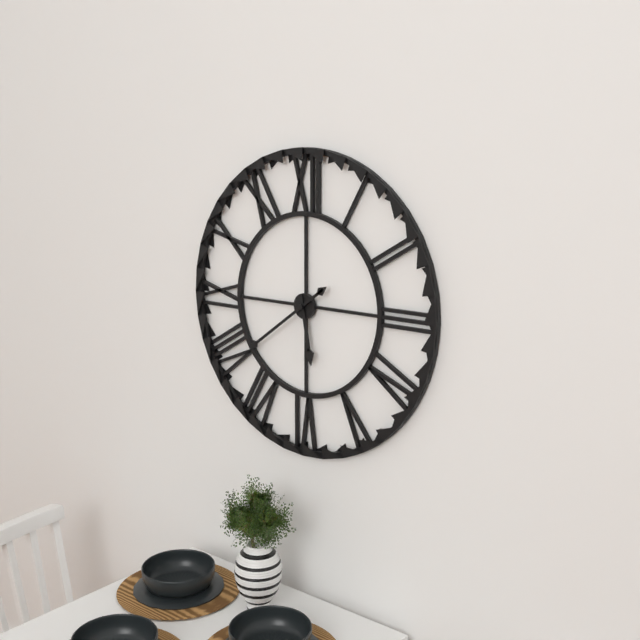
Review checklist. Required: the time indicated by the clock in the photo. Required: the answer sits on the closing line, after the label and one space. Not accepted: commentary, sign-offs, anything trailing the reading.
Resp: 5:39
